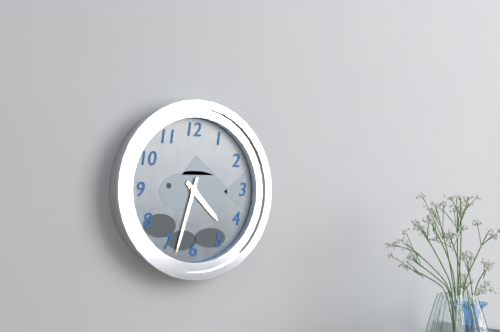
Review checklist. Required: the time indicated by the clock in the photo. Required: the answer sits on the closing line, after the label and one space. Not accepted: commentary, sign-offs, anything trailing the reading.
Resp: 4:33
